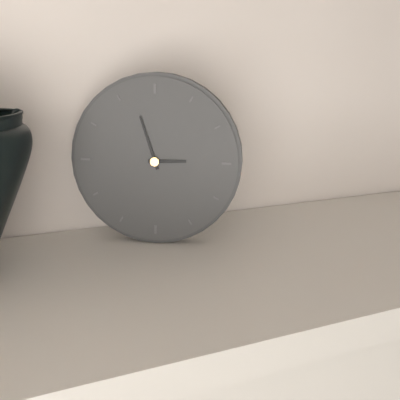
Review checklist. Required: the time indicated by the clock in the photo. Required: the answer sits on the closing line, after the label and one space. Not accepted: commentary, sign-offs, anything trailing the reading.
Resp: 2:57
